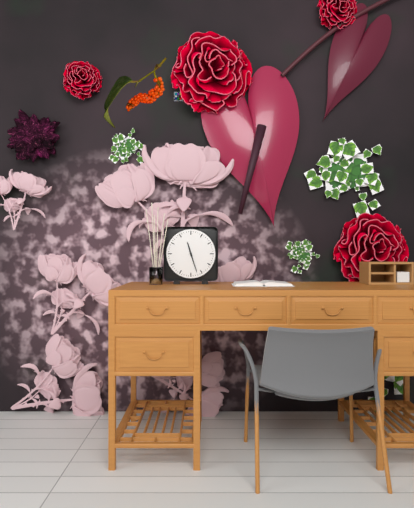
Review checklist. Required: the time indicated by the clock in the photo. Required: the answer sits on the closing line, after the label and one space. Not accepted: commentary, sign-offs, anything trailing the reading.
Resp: 11:27
